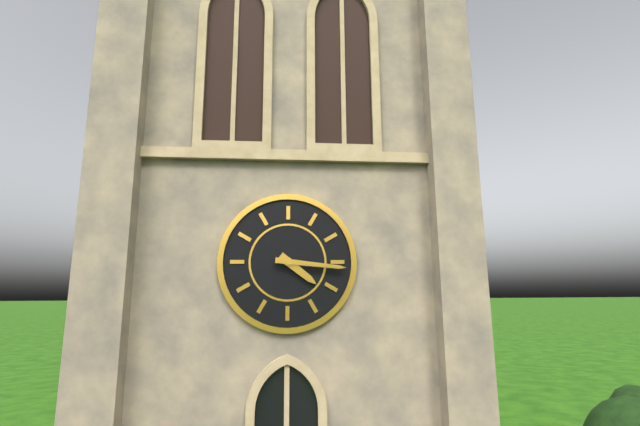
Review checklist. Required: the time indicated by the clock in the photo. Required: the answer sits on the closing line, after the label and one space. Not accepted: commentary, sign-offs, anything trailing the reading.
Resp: 4:16
